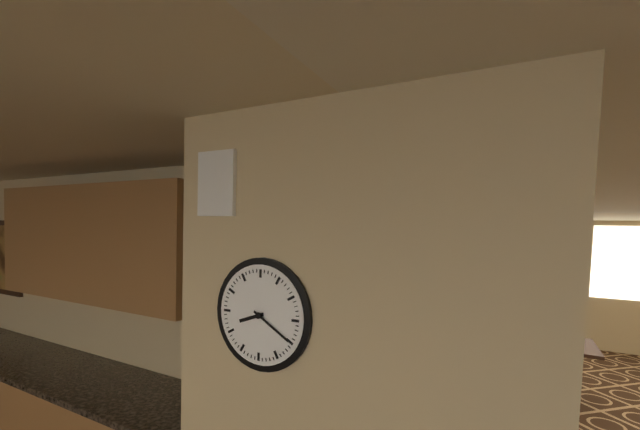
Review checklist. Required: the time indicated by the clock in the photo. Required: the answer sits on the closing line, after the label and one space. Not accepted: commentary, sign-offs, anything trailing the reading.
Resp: 8:20
